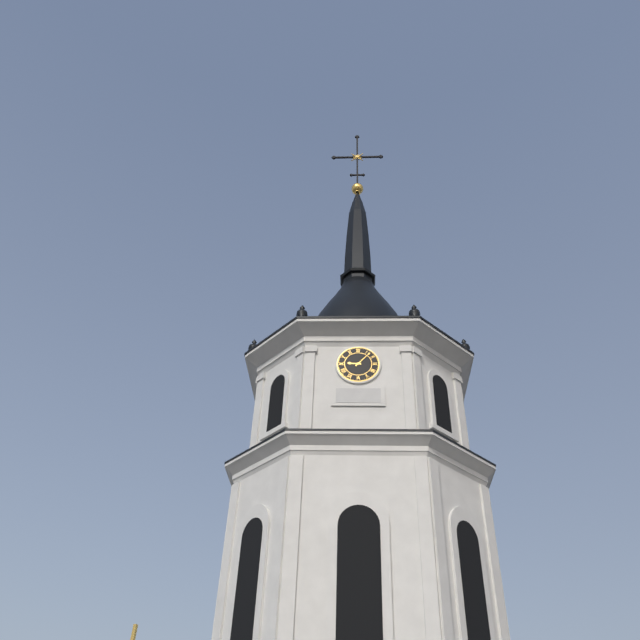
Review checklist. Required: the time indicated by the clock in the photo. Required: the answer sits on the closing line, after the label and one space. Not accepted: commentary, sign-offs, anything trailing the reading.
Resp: 9:07
